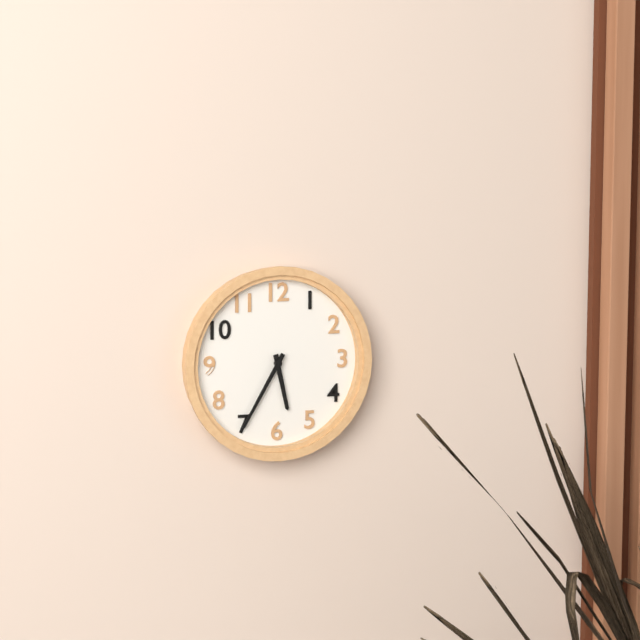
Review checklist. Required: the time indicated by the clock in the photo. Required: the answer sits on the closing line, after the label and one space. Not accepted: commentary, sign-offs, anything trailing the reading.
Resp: 5:35
